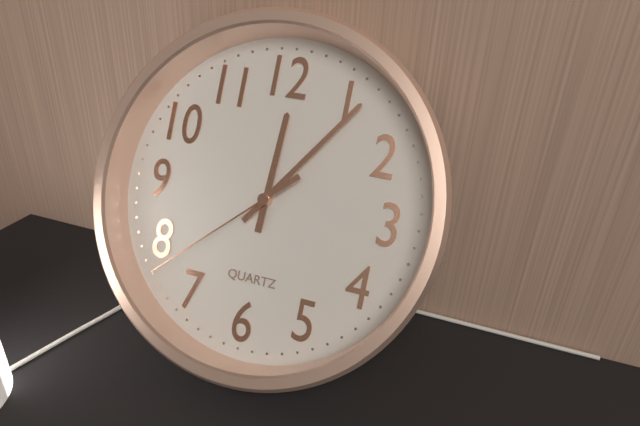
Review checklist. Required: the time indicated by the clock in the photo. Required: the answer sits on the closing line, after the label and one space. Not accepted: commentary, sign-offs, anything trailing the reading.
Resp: 12:06:38
